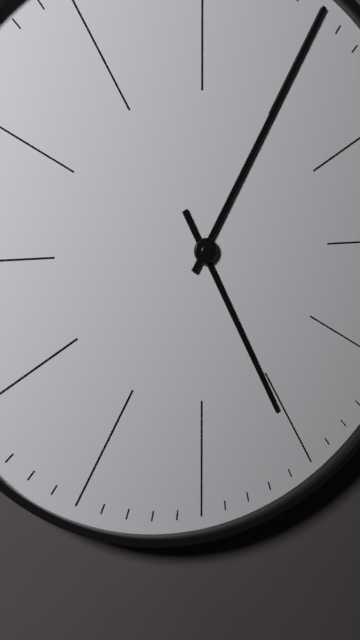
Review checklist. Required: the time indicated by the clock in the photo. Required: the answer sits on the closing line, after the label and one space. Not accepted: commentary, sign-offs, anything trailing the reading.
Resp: 5:05
